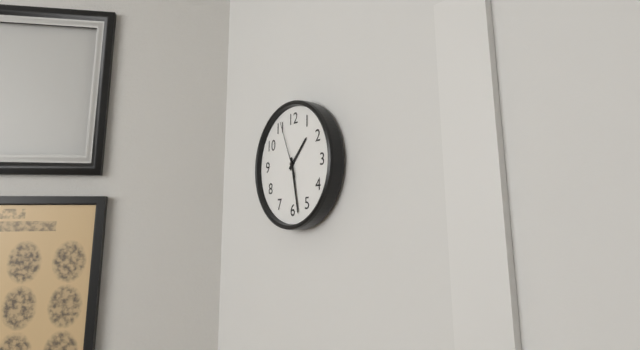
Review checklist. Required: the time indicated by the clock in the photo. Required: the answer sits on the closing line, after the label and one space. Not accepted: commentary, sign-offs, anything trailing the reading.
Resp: 1:28:56
